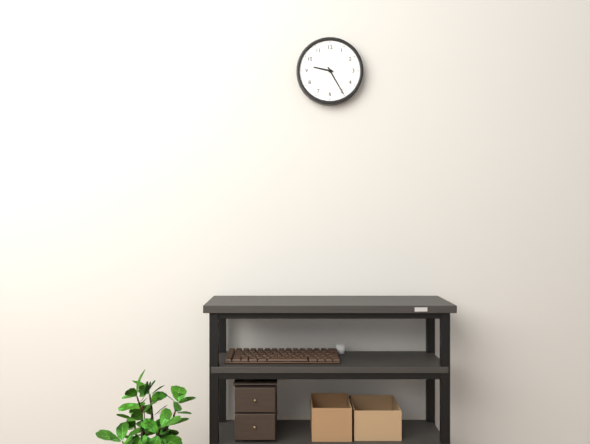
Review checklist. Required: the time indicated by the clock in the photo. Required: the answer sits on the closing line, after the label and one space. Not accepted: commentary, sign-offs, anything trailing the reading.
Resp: 9:25
